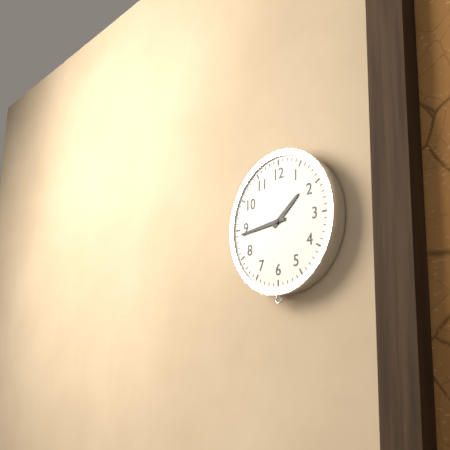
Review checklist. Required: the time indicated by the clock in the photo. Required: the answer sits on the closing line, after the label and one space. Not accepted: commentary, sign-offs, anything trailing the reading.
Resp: 1:44
